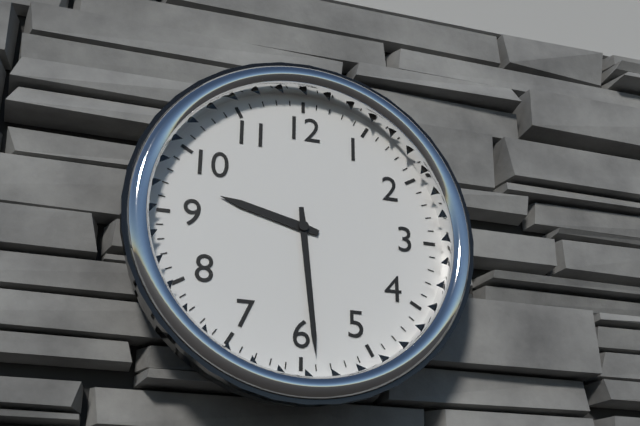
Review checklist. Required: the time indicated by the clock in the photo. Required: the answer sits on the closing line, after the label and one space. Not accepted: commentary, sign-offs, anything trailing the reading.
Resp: 9:29
